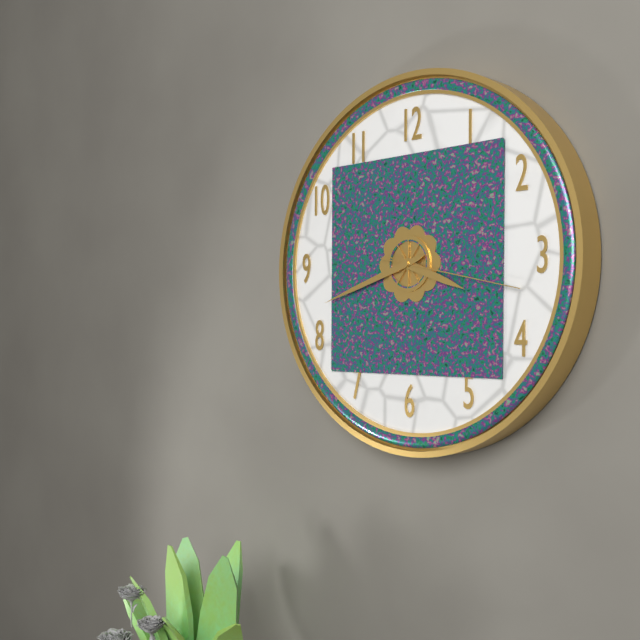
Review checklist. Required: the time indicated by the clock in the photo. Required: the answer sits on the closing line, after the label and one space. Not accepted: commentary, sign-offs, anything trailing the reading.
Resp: 3:42:17
